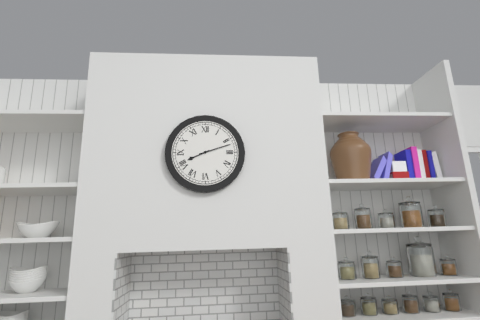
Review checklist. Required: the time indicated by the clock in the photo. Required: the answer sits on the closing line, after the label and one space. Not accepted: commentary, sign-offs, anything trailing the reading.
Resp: 8:12
